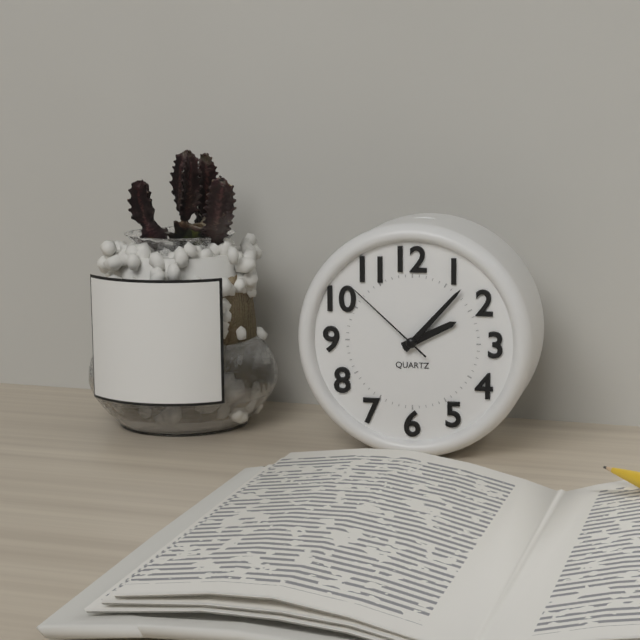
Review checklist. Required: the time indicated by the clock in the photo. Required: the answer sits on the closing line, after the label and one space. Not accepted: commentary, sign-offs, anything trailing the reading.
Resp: 2:07:52
